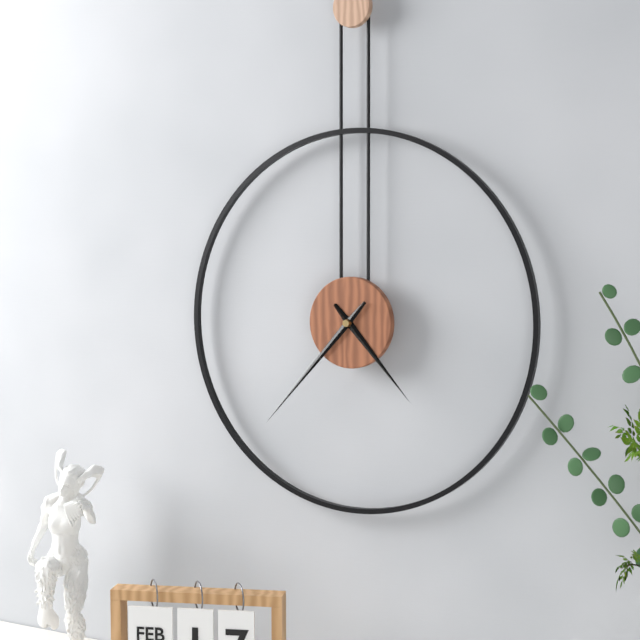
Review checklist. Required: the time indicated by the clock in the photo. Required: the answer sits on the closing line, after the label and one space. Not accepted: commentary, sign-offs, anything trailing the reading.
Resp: 4:37
